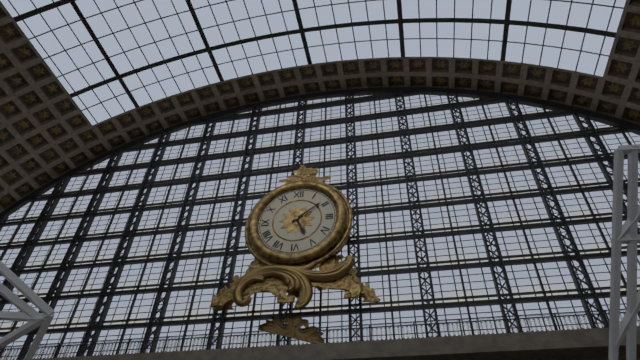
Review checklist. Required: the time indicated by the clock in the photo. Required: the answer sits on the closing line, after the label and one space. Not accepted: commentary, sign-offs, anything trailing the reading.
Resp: 5:09
